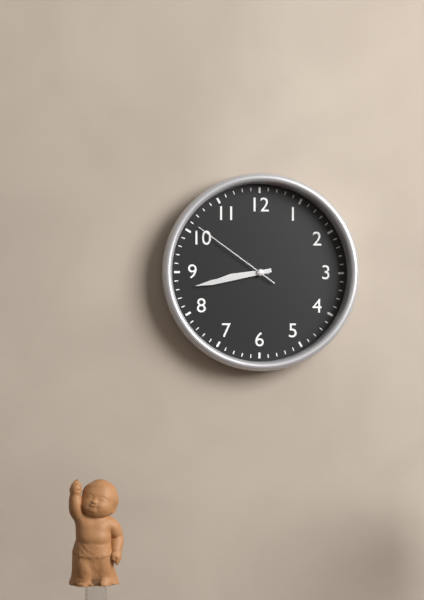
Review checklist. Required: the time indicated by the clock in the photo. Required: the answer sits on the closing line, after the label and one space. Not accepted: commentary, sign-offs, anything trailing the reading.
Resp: 8:43:51
